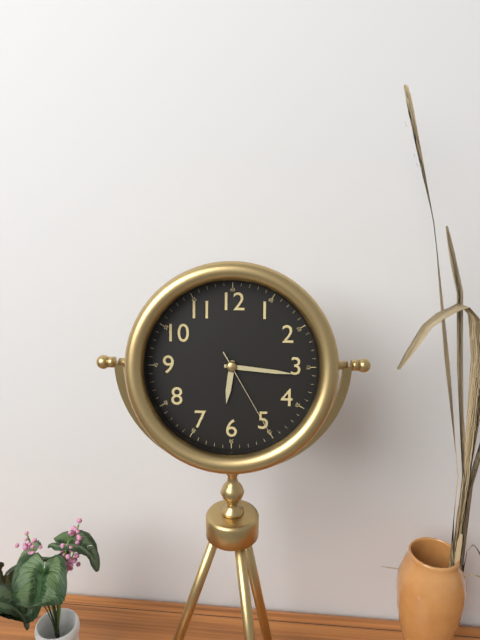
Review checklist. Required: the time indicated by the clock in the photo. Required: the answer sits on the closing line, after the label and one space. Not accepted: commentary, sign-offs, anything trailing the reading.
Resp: 6:16:25
